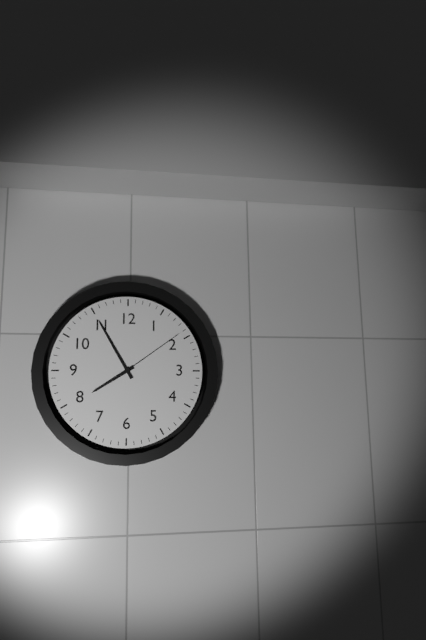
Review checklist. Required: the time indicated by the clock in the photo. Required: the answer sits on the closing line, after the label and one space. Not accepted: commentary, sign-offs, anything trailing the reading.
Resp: 7:55:09
